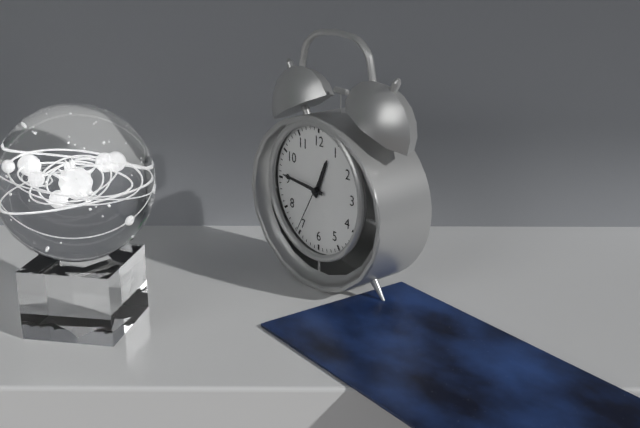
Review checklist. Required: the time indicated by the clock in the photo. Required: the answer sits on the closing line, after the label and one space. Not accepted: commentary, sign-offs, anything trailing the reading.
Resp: 12:46:35
